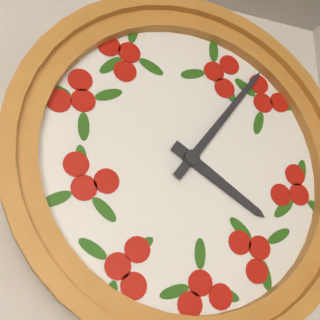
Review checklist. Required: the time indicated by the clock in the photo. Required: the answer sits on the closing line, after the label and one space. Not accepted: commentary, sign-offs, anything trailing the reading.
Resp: 4:06
